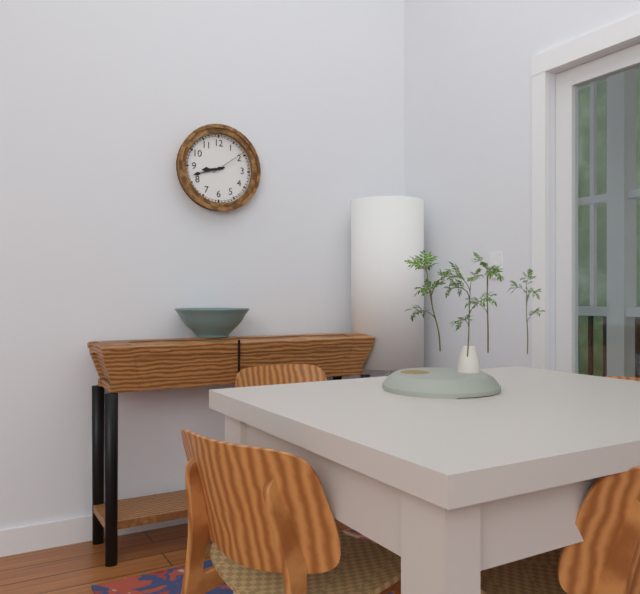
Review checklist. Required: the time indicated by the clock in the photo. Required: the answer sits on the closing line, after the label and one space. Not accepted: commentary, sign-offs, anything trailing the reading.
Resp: 8:42
